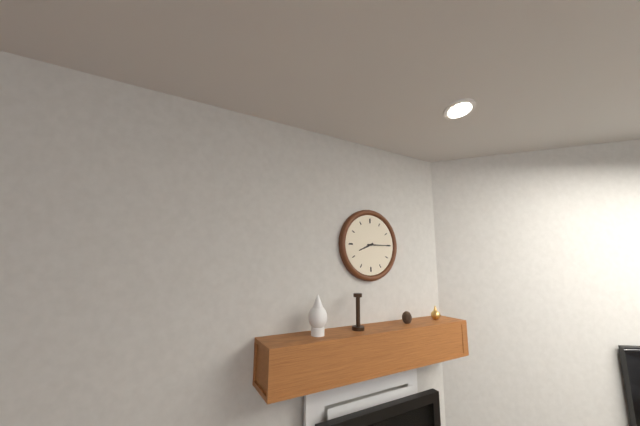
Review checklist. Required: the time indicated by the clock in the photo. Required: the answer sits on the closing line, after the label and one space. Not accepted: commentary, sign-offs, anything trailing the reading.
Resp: 8:15
